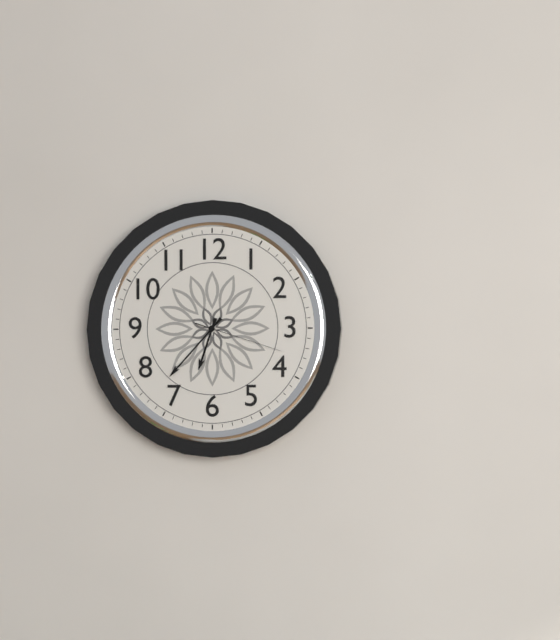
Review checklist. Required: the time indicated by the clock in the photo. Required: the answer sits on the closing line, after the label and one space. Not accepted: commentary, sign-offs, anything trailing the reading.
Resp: 6:37:18
